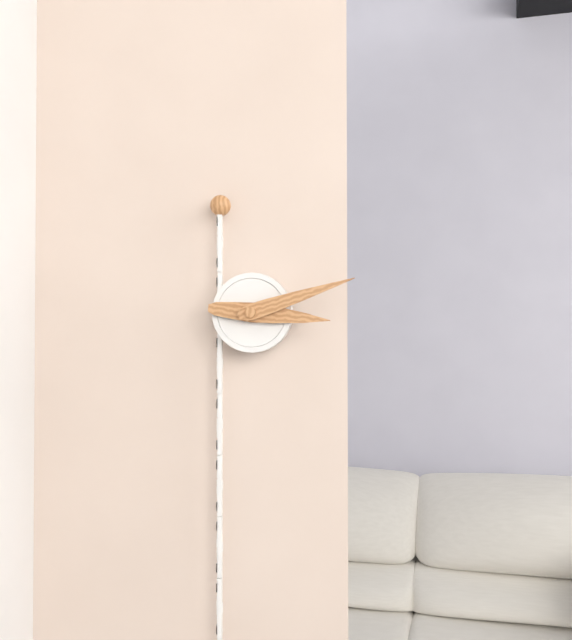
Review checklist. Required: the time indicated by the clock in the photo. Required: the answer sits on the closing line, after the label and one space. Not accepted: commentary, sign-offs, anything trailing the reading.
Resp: 3:12
